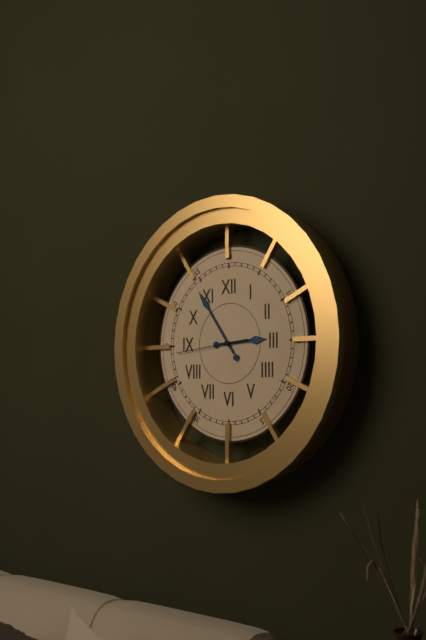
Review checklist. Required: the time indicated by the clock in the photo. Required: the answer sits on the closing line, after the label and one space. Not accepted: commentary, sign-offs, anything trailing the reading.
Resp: 2:54:44
